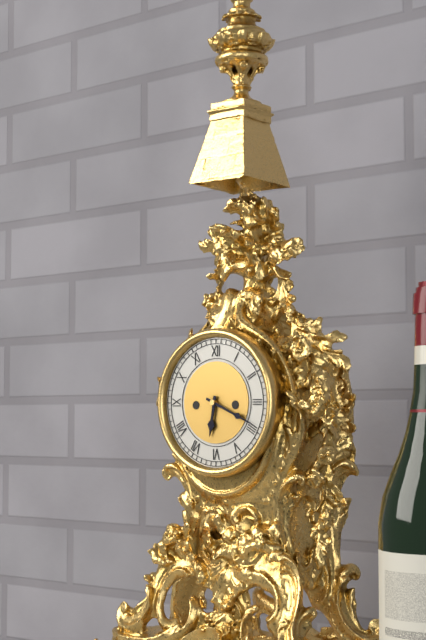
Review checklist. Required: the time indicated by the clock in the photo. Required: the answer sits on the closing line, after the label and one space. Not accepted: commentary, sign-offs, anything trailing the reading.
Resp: 6:19
